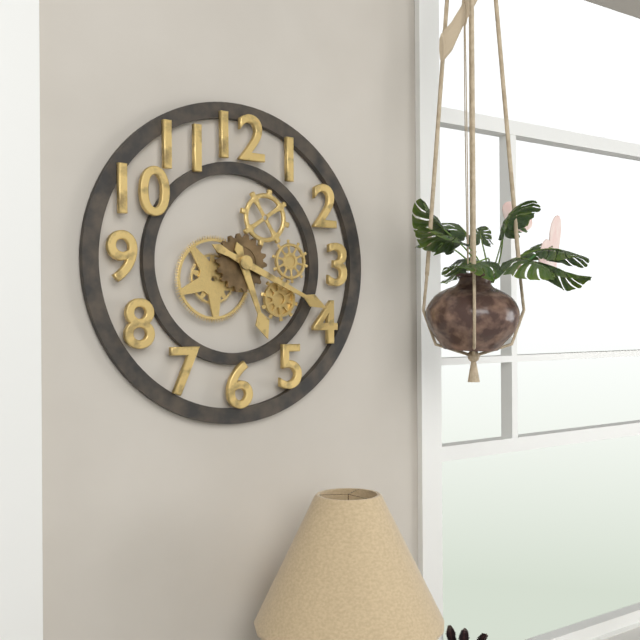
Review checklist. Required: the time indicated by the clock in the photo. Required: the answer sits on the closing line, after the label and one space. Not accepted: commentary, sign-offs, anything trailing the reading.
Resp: 5:19
